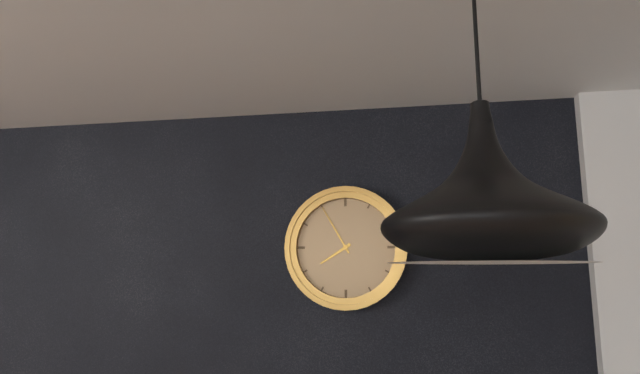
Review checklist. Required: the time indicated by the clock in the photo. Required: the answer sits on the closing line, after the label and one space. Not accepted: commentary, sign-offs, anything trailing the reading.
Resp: 7:55
